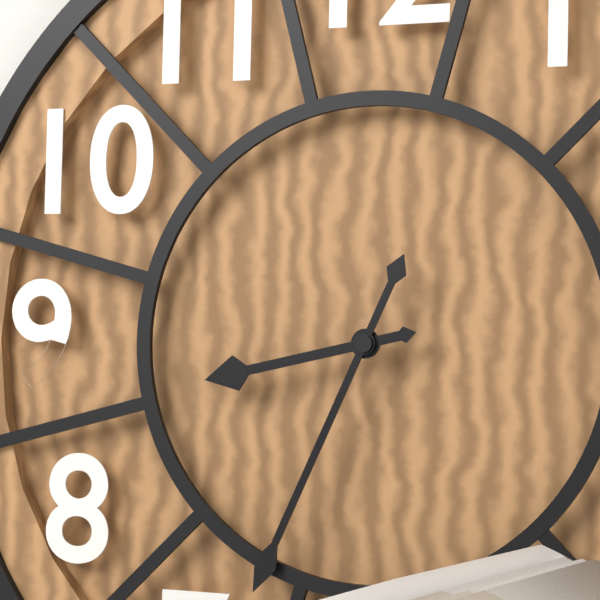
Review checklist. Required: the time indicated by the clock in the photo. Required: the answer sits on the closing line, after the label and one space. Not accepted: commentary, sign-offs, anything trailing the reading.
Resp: 8:34
